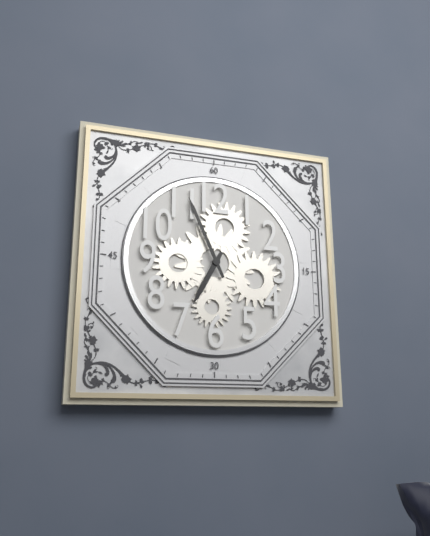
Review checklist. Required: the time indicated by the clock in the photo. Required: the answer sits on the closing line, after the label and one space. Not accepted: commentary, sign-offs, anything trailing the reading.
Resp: 6:56
